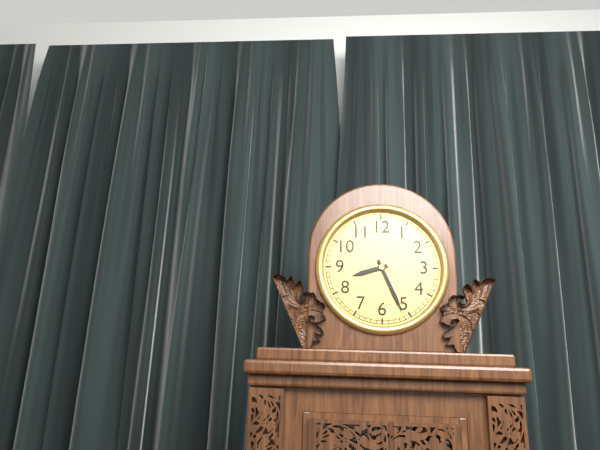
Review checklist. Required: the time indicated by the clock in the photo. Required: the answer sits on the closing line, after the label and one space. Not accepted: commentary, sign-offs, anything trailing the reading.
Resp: 8:26
